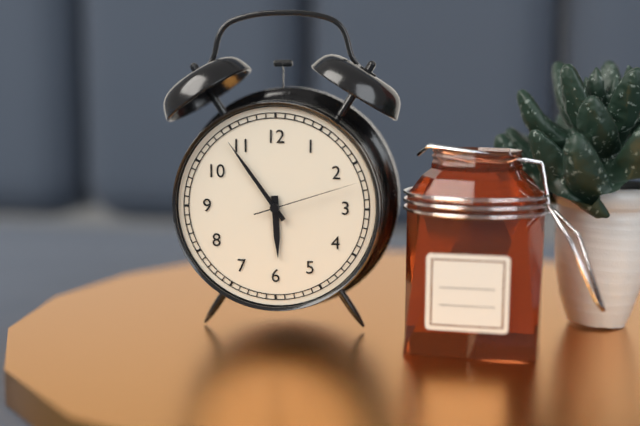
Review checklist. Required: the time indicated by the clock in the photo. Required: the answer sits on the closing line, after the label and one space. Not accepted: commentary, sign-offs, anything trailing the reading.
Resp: 5:54:12
